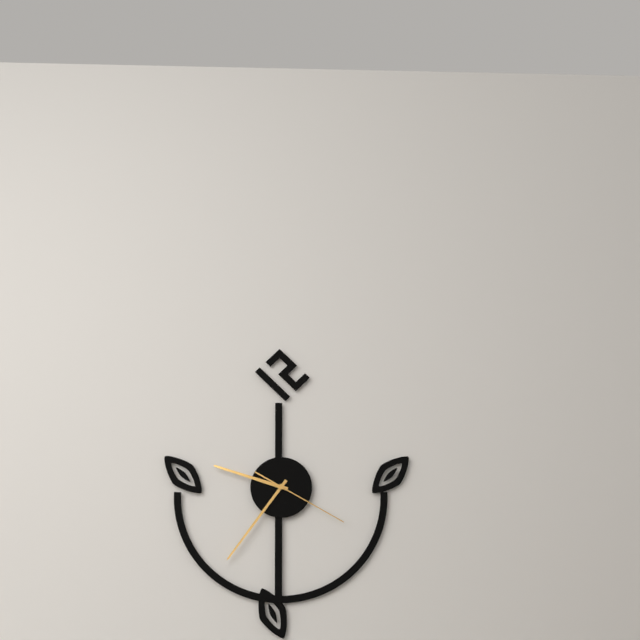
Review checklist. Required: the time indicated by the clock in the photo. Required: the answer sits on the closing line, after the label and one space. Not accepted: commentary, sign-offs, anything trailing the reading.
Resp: 9:36:20
